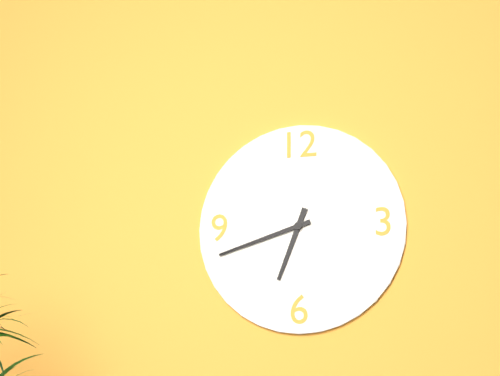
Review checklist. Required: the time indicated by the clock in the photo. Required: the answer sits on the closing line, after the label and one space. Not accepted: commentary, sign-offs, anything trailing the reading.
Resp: 6:42
